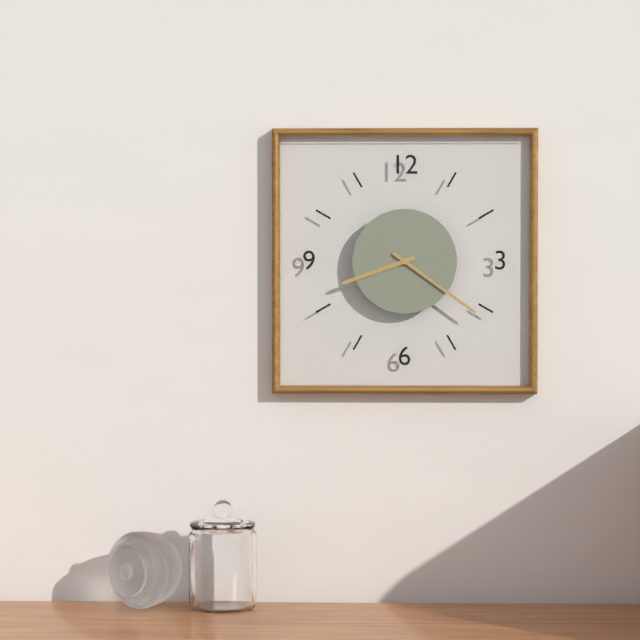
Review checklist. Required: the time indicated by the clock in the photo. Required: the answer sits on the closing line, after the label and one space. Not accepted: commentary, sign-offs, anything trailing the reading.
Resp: 8:21
